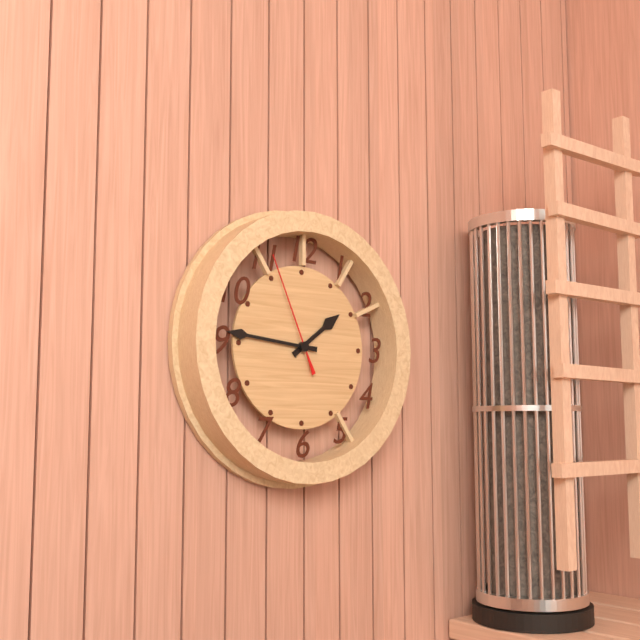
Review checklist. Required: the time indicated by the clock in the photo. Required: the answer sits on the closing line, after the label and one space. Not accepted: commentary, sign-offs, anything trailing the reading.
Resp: 1:46:56
